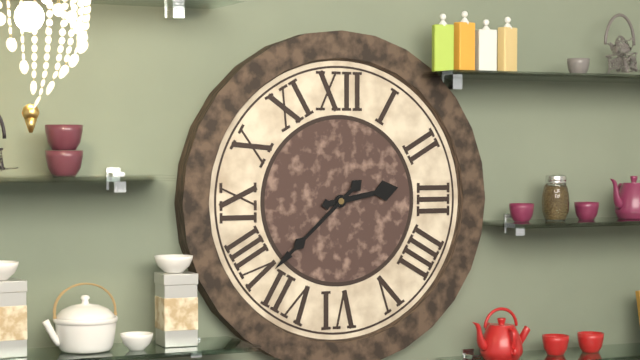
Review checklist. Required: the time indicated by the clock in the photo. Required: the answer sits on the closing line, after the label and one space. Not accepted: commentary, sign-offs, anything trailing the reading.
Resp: 2:38
